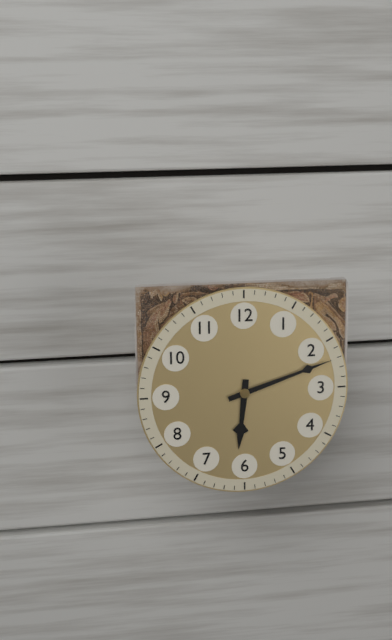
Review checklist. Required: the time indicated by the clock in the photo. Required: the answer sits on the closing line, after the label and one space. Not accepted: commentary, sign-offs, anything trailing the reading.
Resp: 6:12
